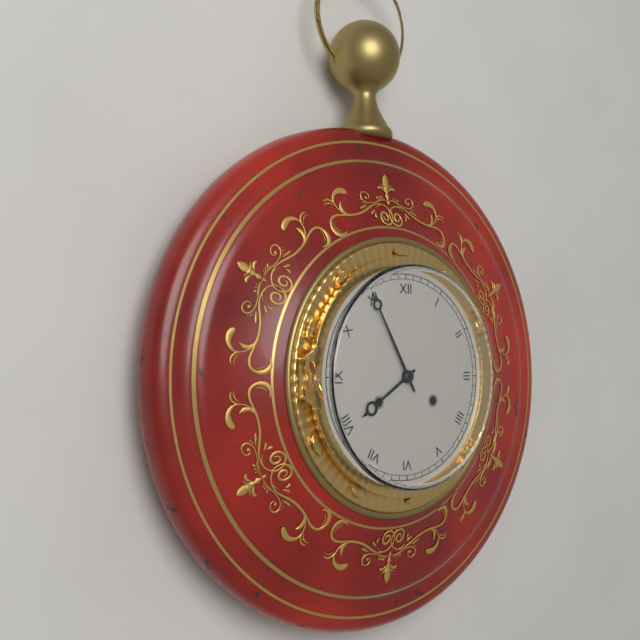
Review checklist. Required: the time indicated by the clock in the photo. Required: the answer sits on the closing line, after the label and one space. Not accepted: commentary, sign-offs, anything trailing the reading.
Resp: 7:55
